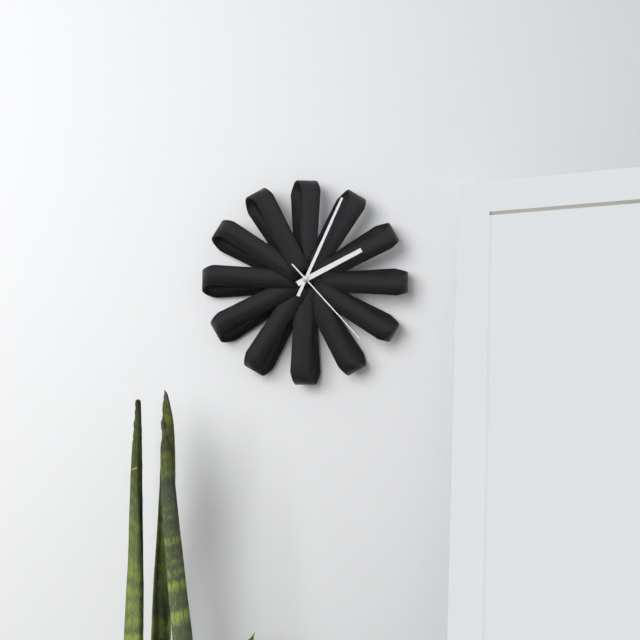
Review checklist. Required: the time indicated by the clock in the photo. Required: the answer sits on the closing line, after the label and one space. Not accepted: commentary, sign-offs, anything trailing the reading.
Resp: 2:04:23
